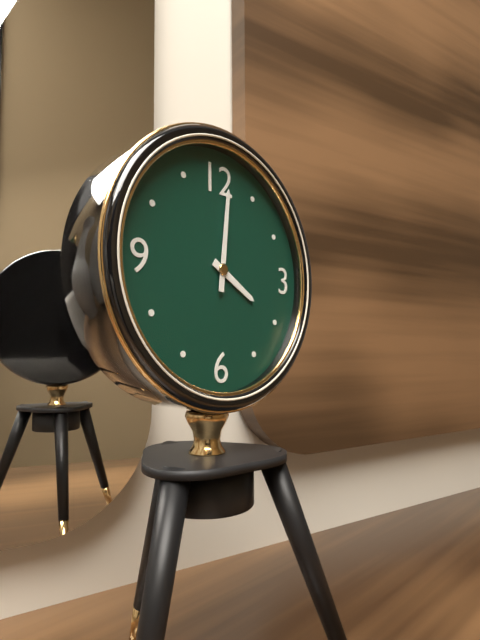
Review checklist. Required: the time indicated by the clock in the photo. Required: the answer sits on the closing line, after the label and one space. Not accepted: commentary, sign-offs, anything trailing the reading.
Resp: 4:01
